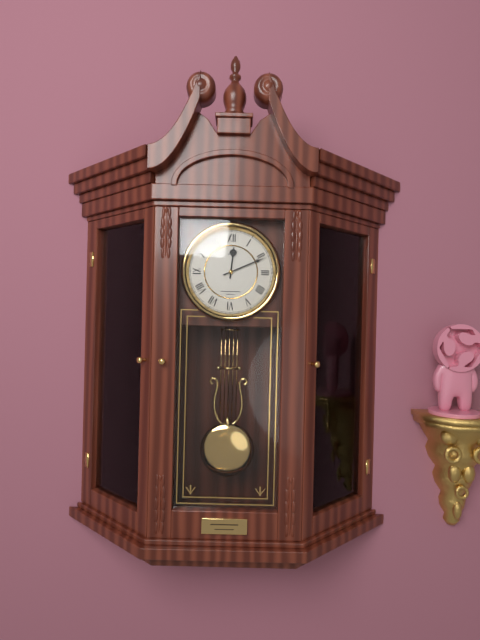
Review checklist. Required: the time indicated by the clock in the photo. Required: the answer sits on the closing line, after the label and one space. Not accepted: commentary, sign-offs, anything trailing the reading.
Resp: 12:11
